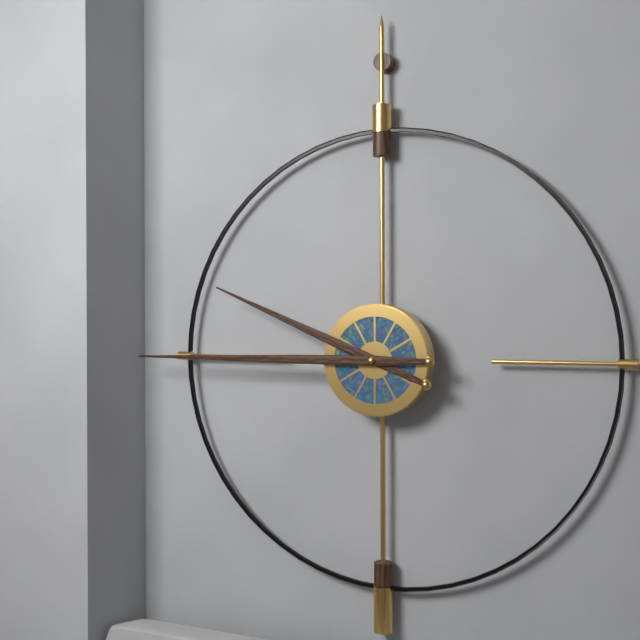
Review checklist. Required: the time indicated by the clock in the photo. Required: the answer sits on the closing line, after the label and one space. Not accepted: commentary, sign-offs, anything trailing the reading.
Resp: 9:45
